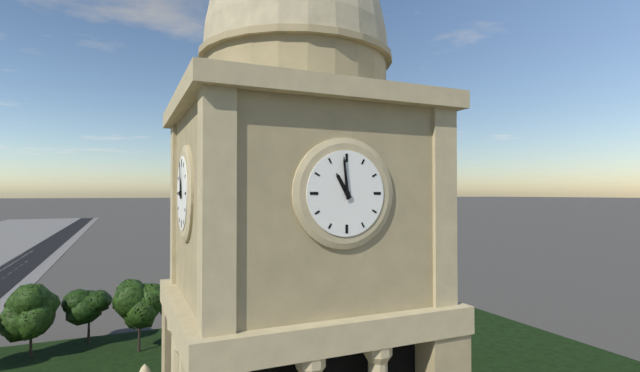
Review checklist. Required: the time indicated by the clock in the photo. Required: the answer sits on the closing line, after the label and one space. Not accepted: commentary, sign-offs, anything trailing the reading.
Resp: 10:59
